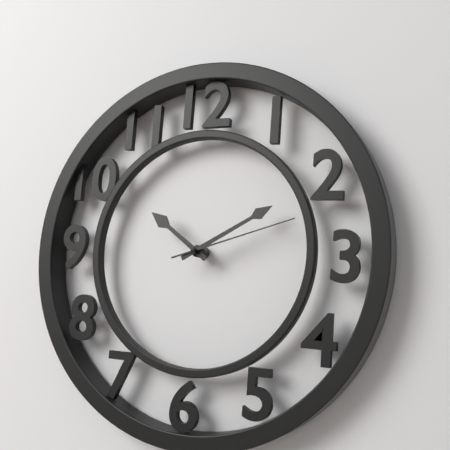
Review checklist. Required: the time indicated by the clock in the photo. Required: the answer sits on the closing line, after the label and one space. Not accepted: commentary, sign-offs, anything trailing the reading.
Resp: 10:10:12
